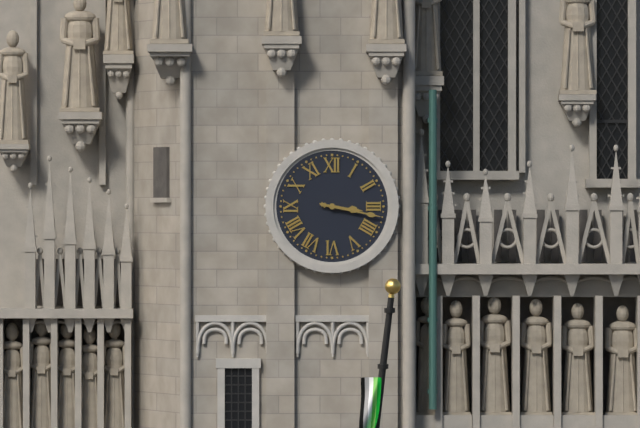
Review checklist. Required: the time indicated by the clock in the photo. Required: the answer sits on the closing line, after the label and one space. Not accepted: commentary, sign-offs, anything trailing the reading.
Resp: 3:17
